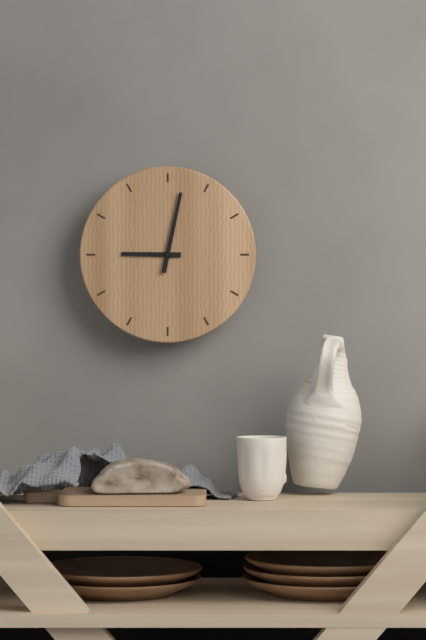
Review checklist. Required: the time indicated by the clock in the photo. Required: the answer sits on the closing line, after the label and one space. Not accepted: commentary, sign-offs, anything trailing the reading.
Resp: 9:02
